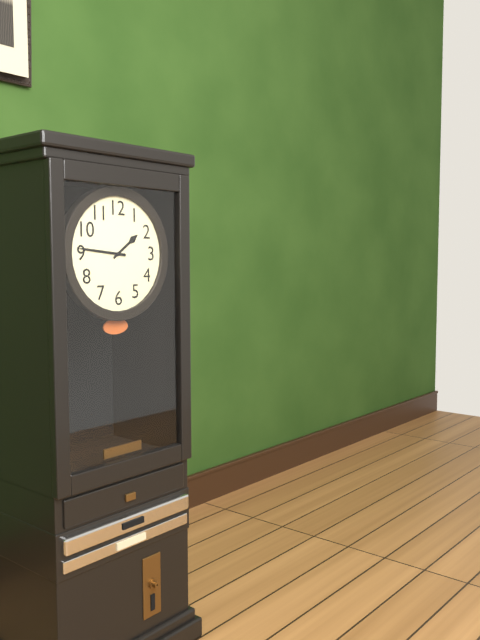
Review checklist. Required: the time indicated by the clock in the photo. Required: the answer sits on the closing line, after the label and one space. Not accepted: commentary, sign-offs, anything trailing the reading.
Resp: 1:46
